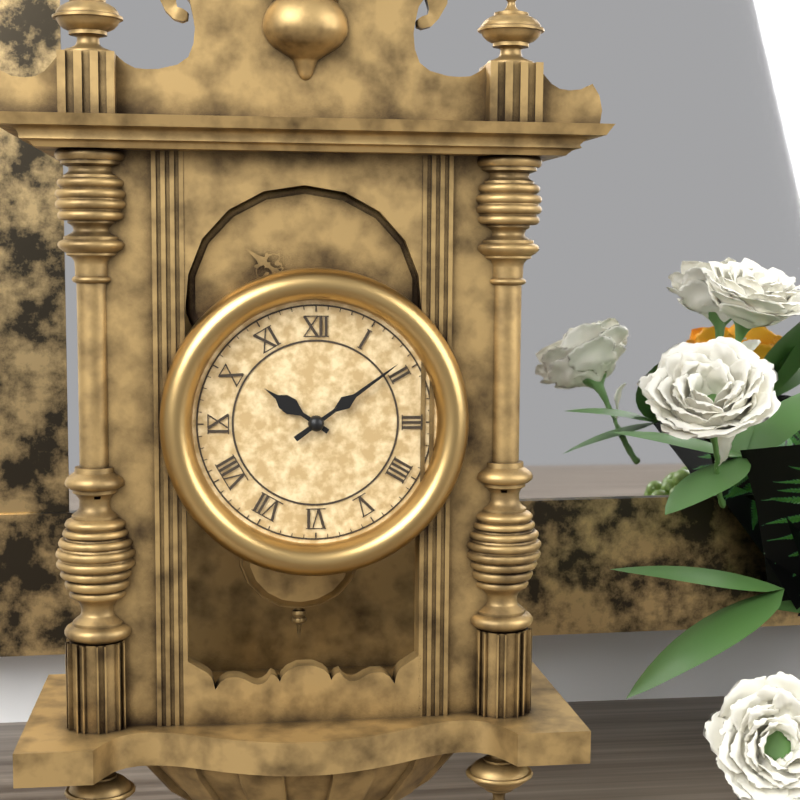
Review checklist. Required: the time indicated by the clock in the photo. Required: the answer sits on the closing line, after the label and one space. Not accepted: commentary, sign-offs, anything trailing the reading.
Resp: 10:09
